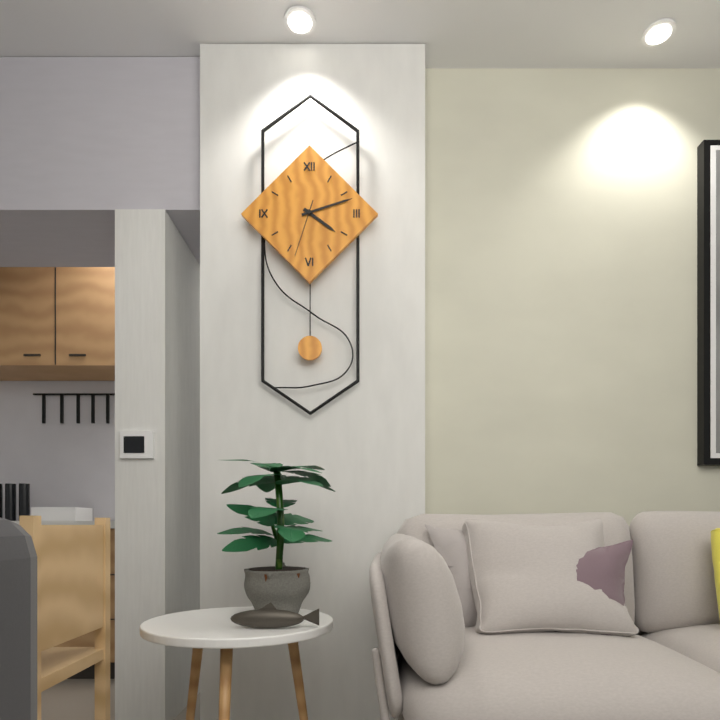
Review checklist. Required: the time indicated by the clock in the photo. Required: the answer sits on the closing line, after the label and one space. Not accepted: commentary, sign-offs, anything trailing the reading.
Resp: 4:12:33
